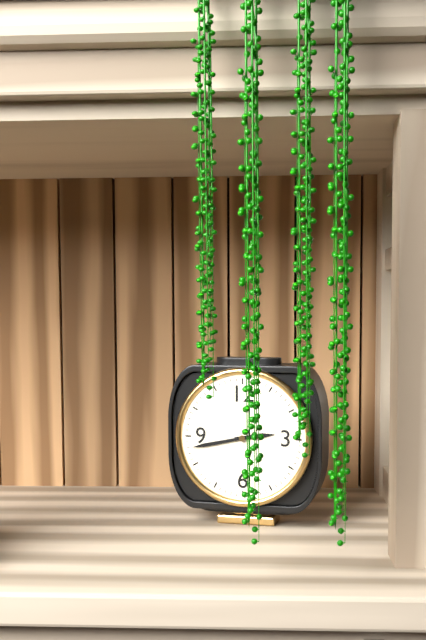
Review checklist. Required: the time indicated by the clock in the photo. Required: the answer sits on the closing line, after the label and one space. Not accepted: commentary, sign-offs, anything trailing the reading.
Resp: 2:43
